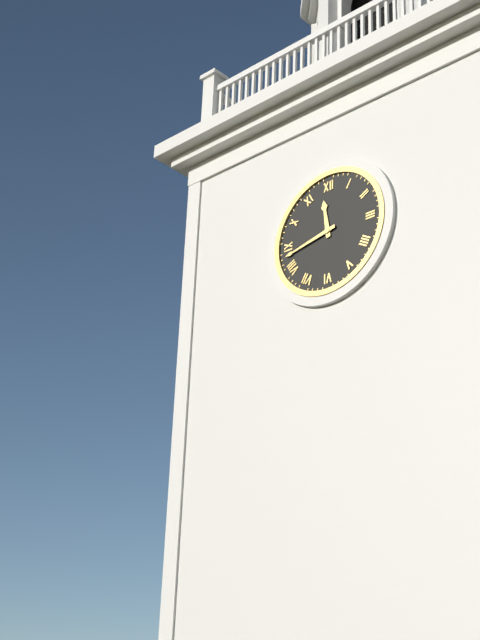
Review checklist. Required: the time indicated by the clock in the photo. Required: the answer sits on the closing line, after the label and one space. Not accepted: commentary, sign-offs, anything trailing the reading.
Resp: 11:43
